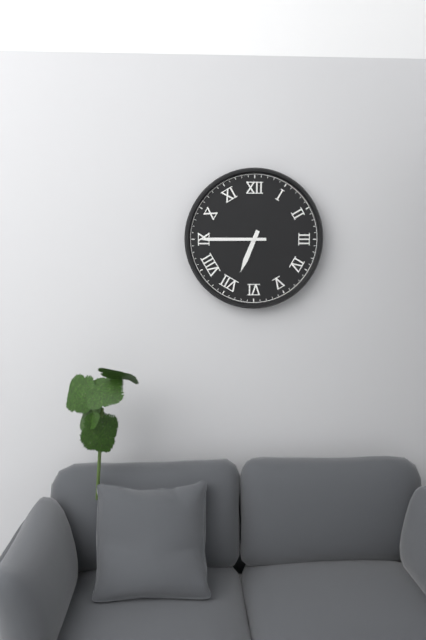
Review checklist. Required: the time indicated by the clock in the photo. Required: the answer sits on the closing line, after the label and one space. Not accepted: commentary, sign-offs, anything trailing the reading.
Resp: 6:45
